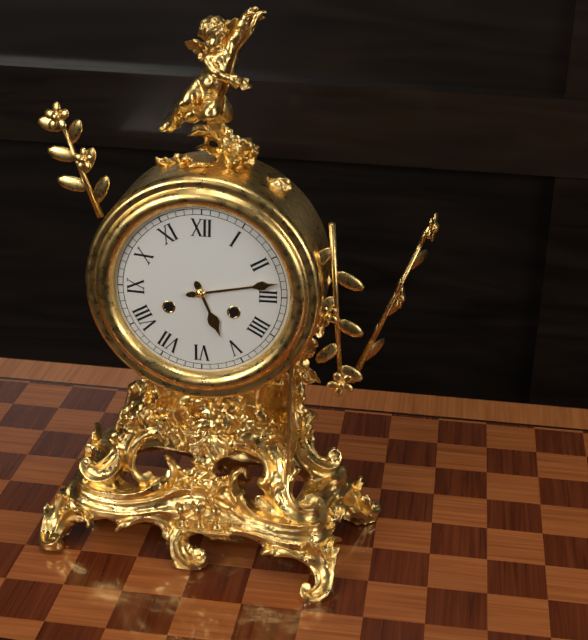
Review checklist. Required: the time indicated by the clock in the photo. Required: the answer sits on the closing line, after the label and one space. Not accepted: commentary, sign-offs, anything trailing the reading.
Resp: 5:13
